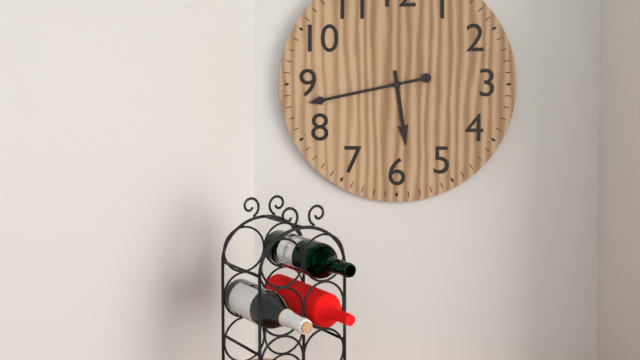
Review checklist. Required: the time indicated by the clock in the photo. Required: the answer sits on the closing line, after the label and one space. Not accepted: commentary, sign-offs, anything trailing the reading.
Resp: 5:43
